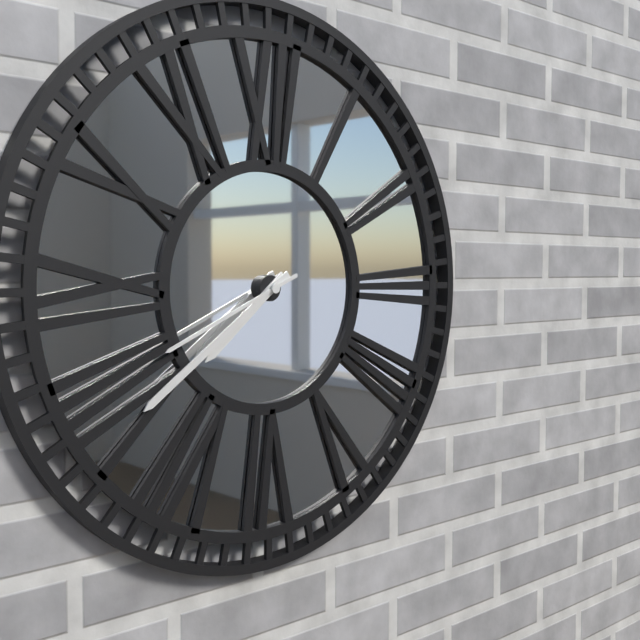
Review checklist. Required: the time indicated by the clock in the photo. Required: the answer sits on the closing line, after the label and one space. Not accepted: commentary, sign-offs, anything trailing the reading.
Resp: 7:39:41
